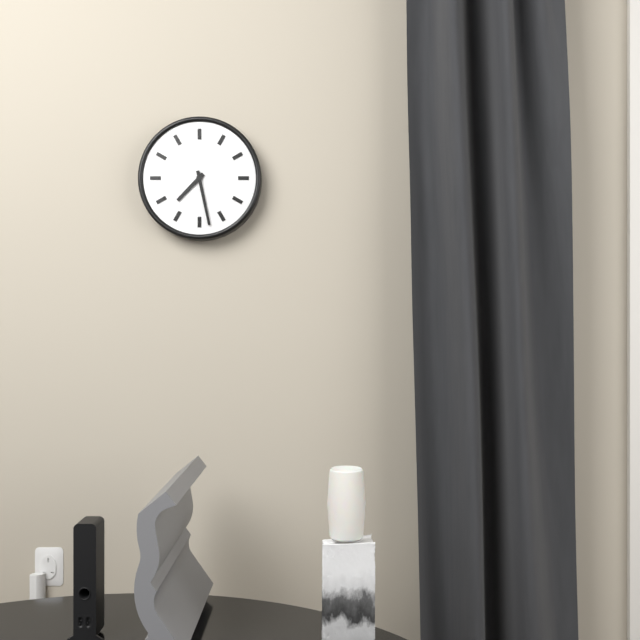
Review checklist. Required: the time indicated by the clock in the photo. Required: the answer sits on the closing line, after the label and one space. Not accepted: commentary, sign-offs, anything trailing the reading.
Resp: 7:28
